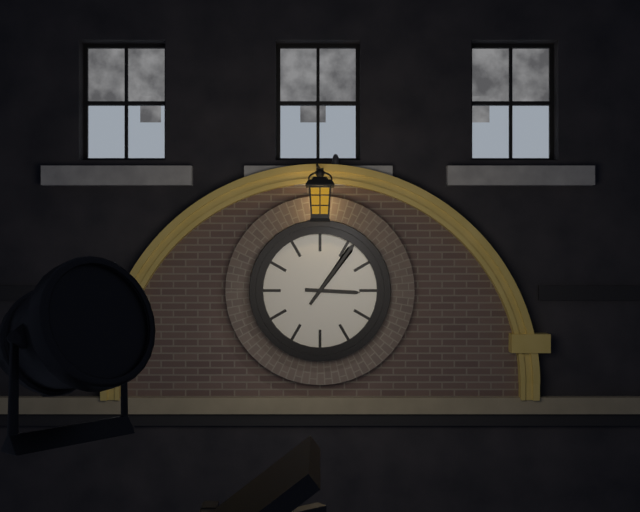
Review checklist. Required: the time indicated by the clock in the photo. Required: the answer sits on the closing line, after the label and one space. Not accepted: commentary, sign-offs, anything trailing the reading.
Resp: 3:06
